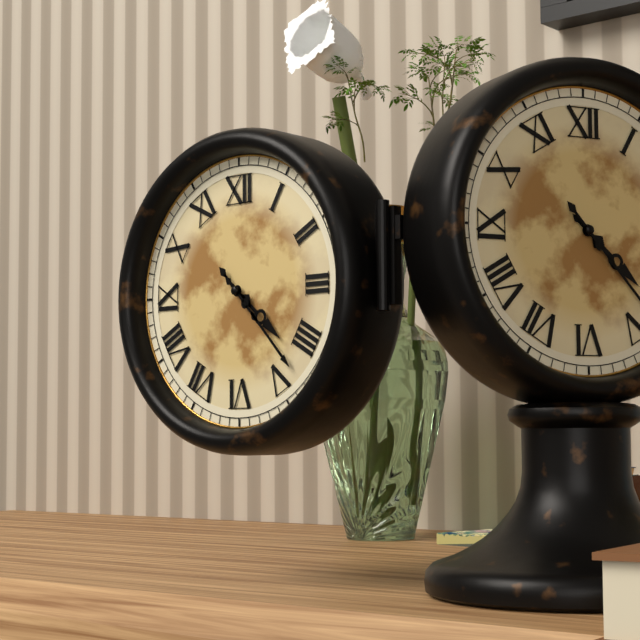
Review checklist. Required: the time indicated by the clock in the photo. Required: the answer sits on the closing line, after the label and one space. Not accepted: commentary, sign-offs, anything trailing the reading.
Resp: 4:23
